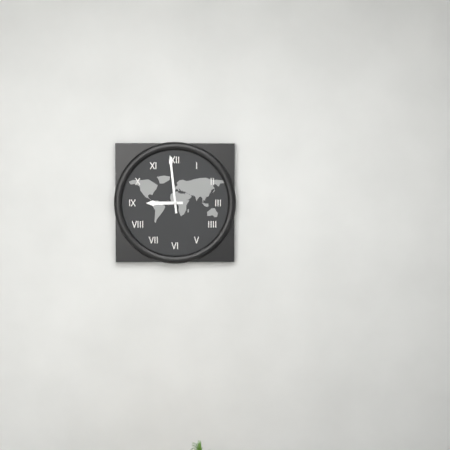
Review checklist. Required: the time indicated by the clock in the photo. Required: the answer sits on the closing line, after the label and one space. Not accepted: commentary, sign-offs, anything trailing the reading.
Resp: 8:59
